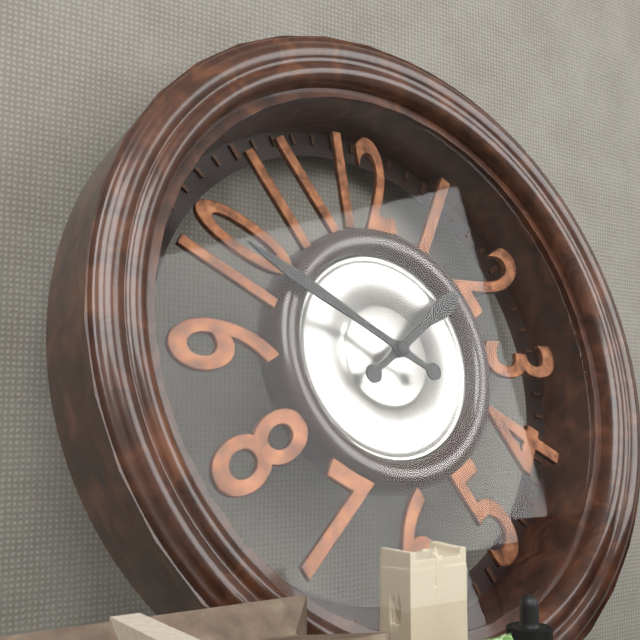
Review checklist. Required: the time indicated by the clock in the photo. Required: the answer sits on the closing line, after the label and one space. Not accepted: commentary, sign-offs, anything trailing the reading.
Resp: 1:50
